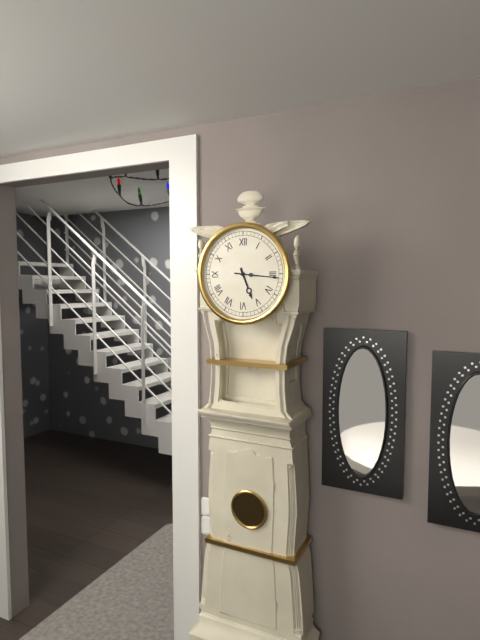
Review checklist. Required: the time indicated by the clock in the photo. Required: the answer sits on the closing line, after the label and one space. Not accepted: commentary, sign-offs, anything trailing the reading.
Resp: 5:16
